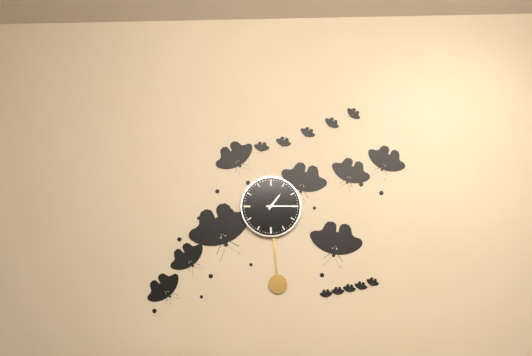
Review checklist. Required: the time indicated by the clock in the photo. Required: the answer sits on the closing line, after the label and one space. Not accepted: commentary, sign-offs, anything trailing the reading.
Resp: 1:15
